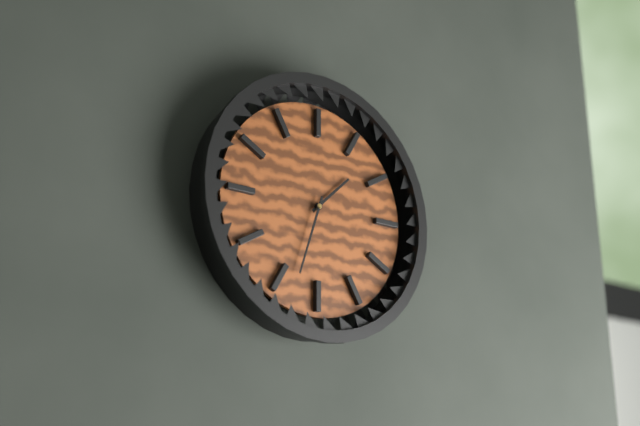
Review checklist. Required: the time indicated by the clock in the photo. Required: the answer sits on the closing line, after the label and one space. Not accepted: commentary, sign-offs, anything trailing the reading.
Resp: 1:33
